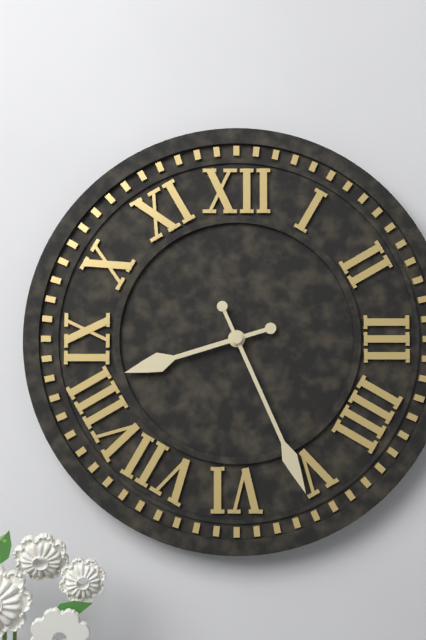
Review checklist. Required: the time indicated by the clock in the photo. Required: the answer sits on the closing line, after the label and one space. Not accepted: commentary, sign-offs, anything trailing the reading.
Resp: 8:26
